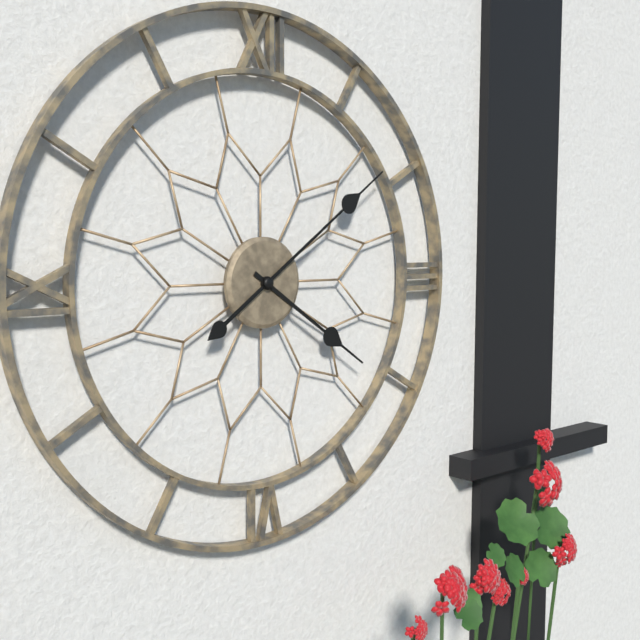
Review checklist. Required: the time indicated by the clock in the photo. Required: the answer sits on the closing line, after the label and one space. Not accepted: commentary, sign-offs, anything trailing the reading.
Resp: 4:09
